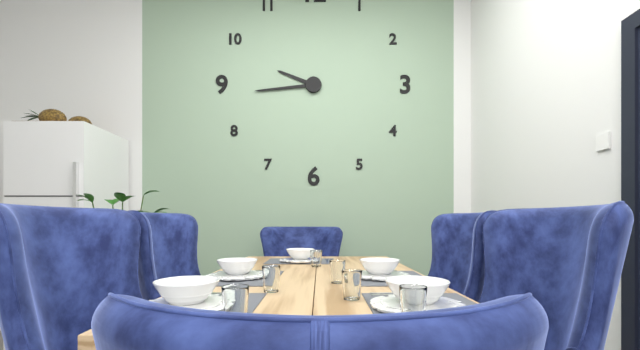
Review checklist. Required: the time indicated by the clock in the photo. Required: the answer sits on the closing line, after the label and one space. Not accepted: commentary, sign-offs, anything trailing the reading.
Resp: 9:44
